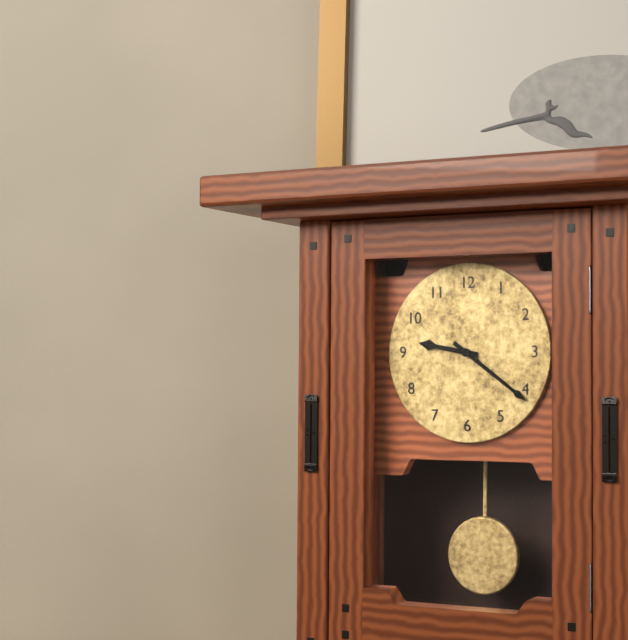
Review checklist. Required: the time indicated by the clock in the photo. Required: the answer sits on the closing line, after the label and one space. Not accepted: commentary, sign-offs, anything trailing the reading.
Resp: 9:21
